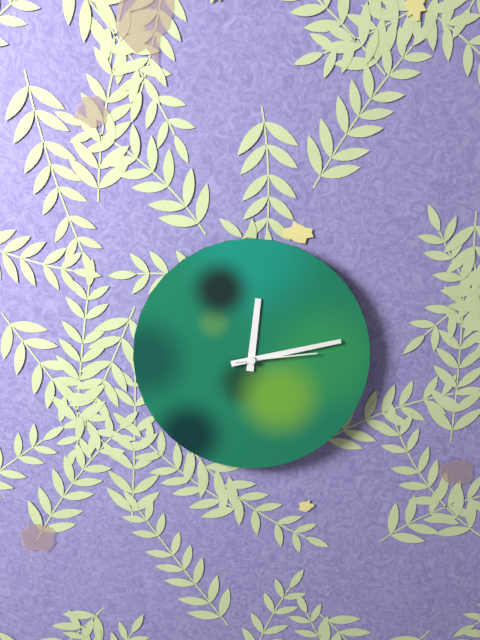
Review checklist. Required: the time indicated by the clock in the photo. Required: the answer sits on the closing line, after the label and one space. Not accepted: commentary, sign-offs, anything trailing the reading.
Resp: 12:13:14
